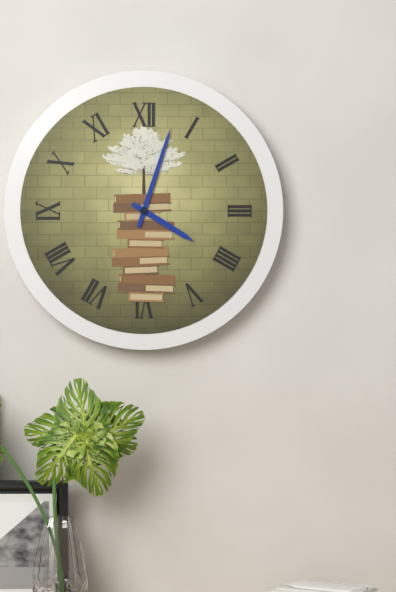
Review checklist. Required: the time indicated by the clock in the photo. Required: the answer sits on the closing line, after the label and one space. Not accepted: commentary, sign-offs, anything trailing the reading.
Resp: 4:03
